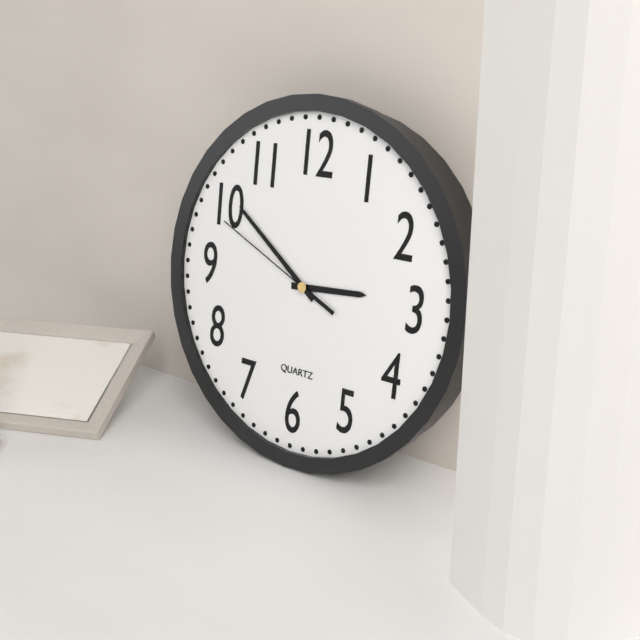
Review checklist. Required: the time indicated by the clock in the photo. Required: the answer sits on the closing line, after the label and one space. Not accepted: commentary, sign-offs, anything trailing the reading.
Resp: 2:51:49
